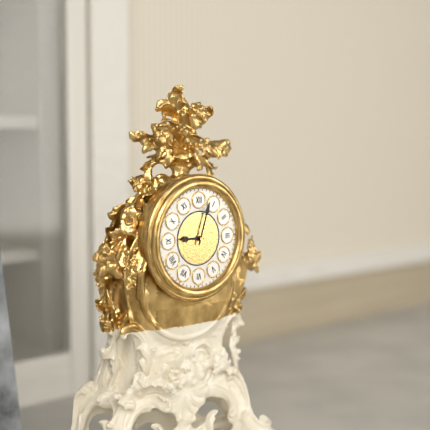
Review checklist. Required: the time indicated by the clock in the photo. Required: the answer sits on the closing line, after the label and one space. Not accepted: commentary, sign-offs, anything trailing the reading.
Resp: 9:03
